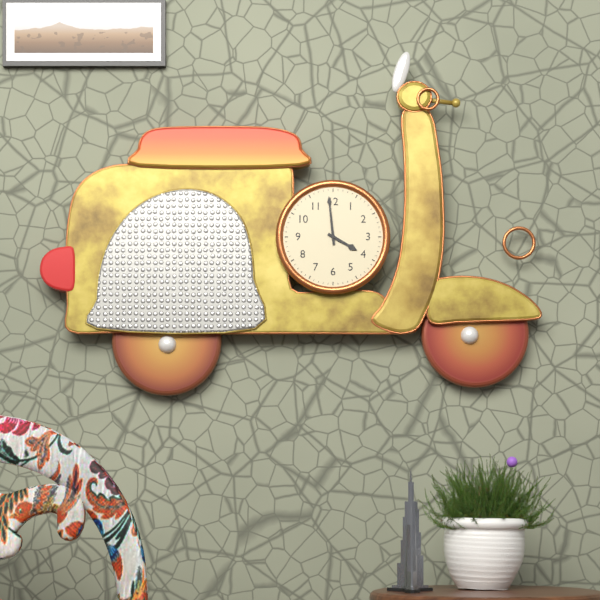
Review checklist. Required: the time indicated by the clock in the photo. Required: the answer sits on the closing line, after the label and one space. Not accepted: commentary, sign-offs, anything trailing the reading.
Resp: 3:59
